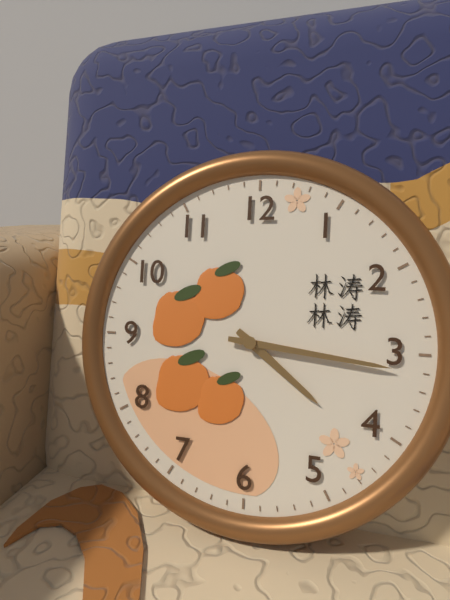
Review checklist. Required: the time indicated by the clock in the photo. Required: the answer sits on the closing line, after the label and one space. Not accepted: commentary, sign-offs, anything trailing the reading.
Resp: 4:16
